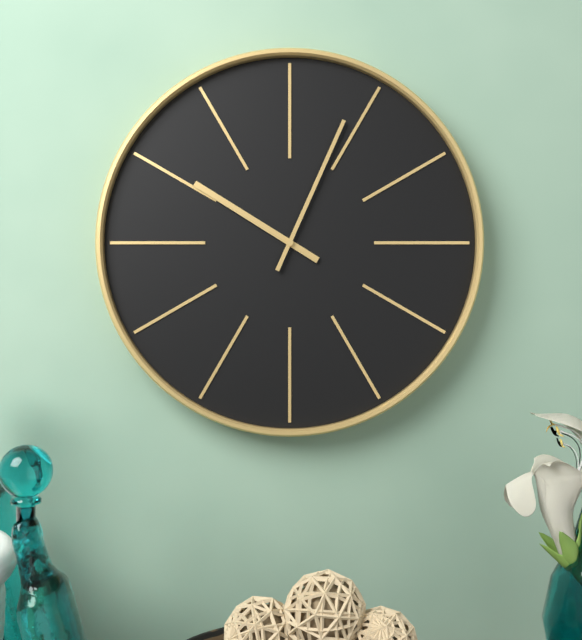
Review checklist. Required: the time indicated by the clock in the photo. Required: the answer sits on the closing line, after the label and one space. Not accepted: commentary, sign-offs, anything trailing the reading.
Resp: 10:04
